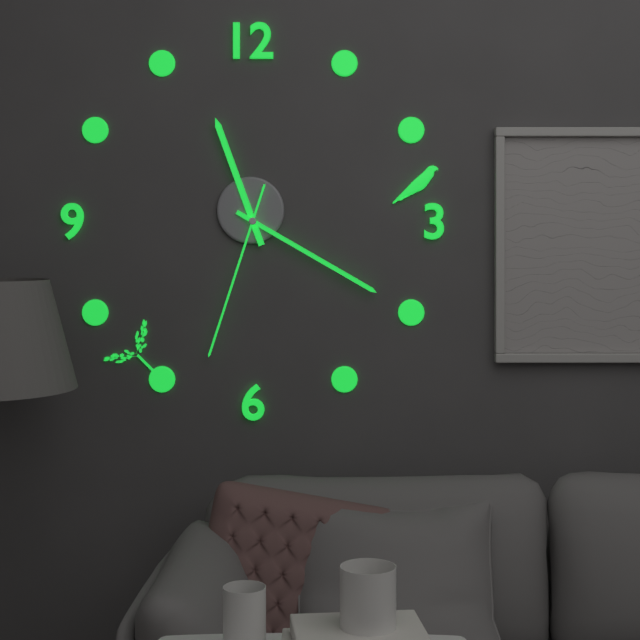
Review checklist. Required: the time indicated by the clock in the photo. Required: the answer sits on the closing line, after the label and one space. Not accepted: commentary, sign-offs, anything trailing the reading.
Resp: 11:20:33
